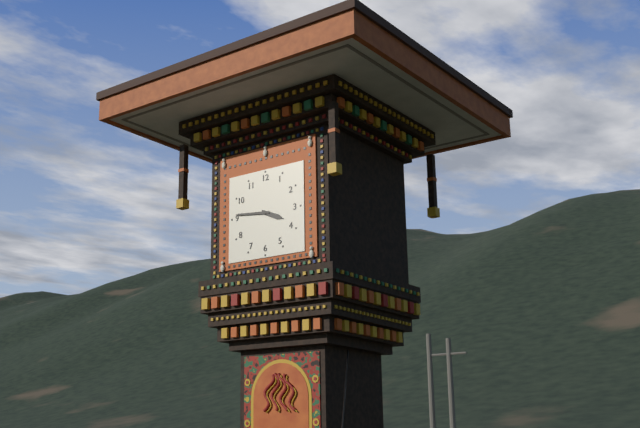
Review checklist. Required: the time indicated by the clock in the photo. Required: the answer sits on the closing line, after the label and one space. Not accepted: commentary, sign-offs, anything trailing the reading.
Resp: 3:46
